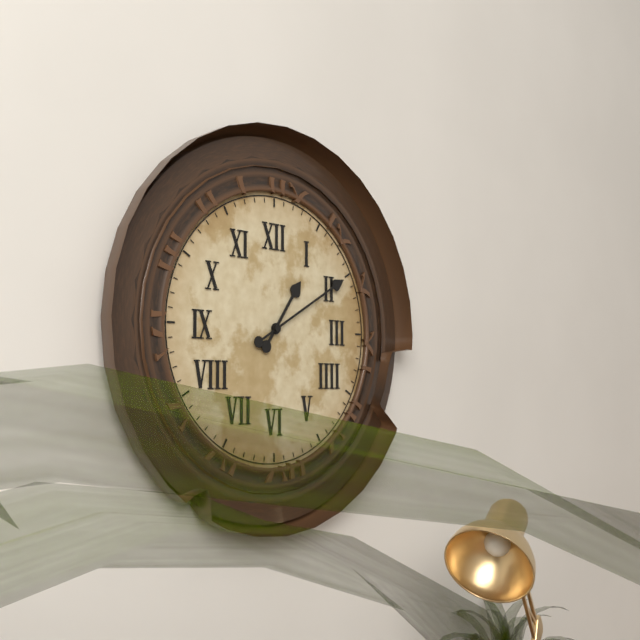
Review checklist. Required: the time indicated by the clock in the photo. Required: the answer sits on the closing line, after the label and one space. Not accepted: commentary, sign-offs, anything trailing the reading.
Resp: 1:10
